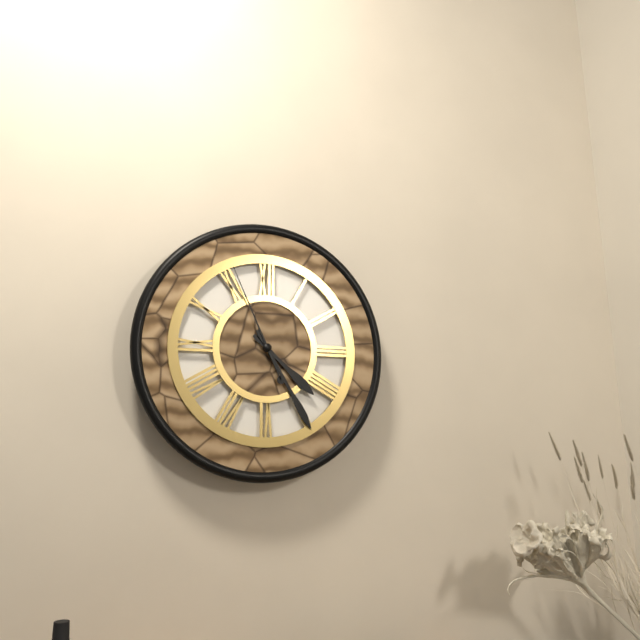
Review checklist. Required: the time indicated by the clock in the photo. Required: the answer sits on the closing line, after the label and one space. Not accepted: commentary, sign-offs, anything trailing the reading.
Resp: 4:25:56
